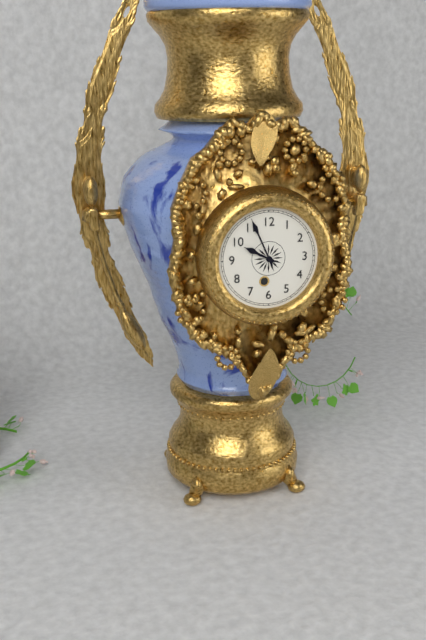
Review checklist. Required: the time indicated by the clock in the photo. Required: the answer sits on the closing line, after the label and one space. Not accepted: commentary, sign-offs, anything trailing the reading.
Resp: 9:56
